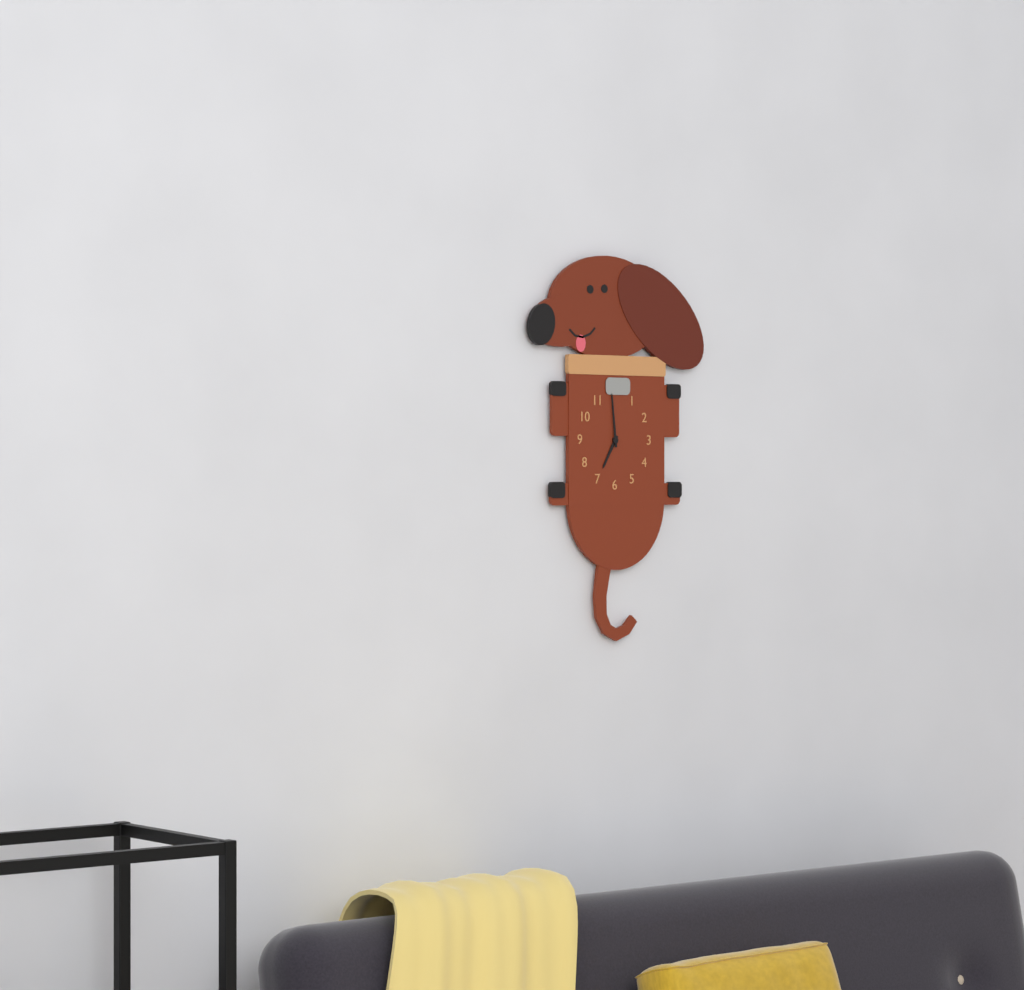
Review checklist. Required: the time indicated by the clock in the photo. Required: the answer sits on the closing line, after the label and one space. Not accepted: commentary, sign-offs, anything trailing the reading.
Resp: 6:59
